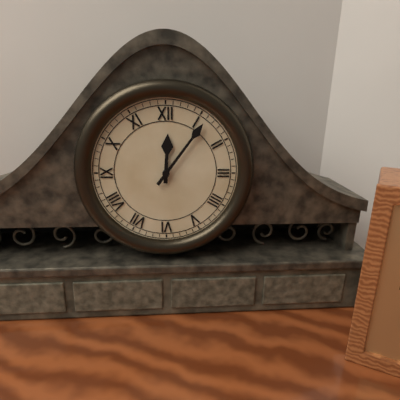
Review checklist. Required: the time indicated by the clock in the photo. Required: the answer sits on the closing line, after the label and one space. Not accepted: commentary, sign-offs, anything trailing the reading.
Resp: 12:06
